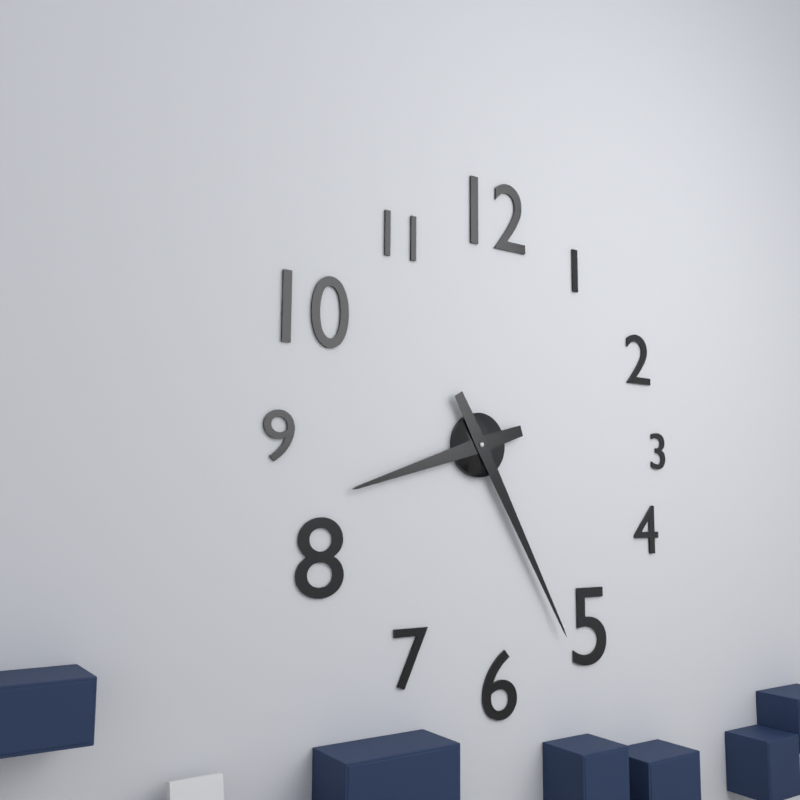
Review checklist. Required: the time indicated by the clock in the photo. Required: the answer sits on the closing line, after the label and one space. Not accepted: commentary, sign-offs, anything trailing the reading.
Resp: 8:25
